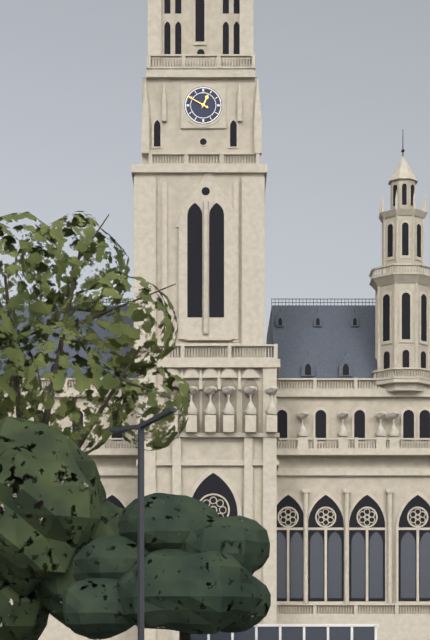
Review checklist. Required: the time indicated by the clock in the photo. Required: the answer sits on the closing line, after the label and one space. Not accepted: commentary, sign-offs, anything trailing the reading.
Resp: 12:50
